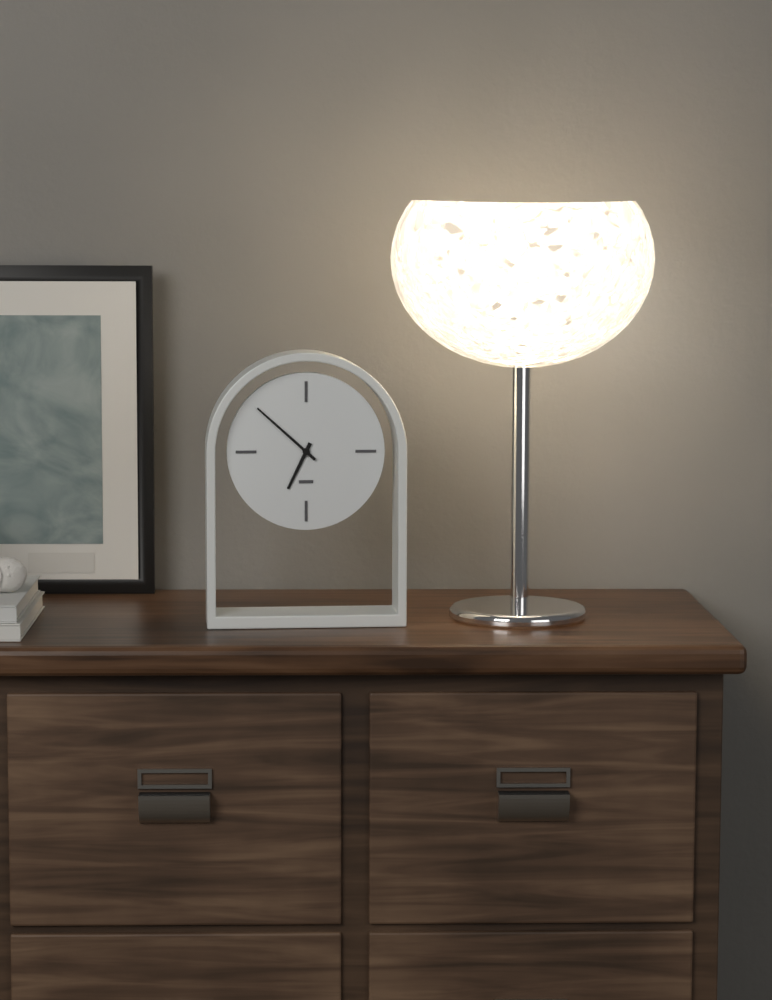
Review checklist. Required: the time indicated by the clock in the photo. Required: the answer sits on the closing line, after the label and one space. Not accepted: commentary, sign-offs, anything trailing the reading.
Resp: 6:52
